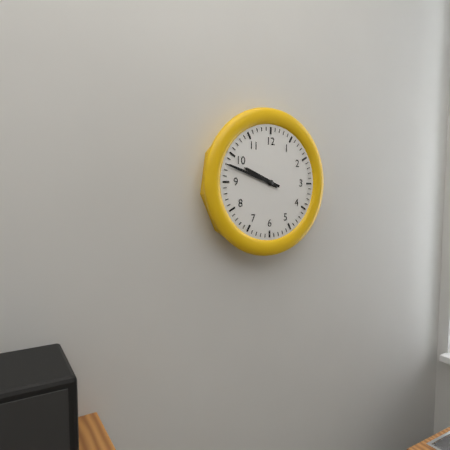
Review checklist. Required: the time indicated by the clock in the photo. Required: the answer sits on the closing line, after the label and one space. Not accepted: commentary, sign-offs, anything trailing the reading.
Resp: 9:48
